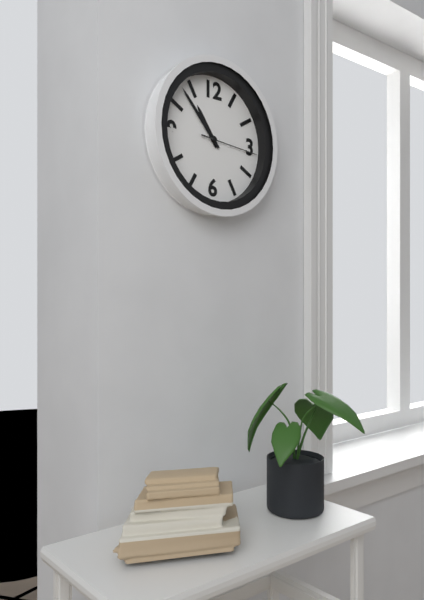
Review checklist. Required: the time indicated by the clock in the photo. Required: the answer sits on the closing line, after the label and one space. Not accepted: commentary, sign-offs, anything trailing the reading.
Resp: 10:53:16
